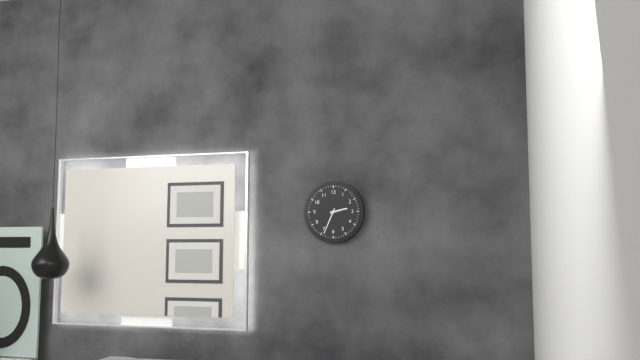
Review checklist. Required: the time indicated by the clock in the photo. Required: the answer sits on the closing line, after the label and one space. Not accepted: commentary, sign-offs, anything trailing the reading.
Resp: 2:34
